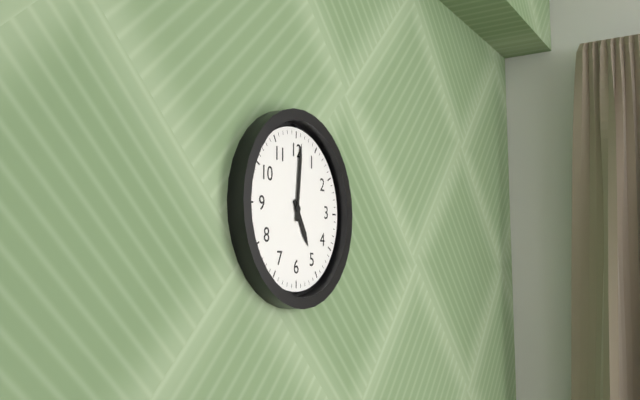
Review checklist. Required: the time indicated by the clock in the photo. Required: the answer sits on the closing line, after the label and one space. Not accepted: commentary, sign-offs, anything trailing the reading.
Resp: 5:01
